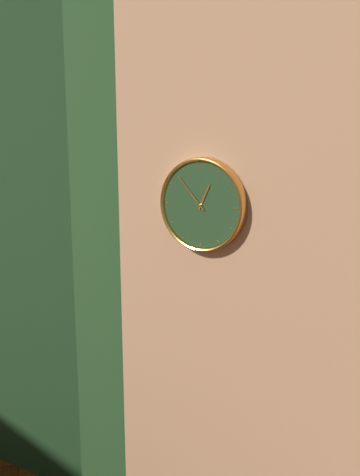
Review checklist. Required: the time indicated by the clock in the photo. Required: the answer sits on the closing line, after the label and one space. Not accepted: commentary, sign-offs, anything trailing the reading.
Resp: 12:53
